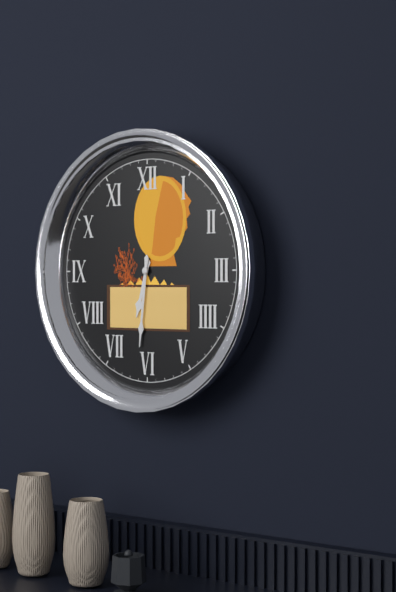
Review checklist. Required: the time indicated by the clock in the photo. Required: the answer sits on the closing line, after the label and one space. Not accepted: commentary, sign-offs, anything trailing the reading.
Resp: 6:31
